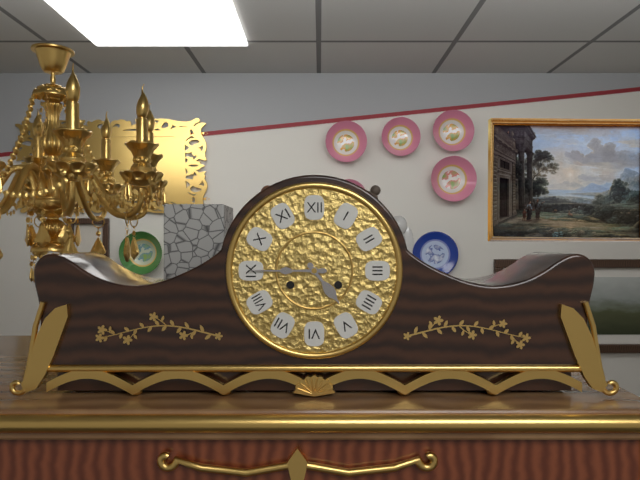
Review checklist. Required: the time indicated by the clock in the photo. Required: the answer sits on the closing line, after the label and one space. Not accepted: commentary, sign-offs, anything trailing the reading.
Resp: 4:45
